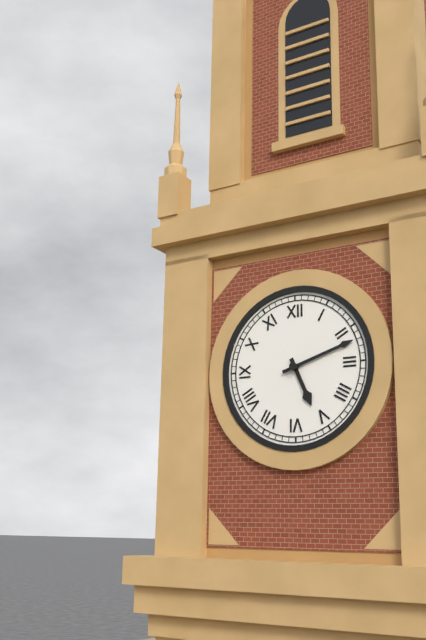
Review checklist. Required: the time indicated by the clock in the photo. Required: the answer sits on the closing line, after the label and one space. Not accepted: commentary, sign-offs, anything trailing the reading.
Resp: 5:12
